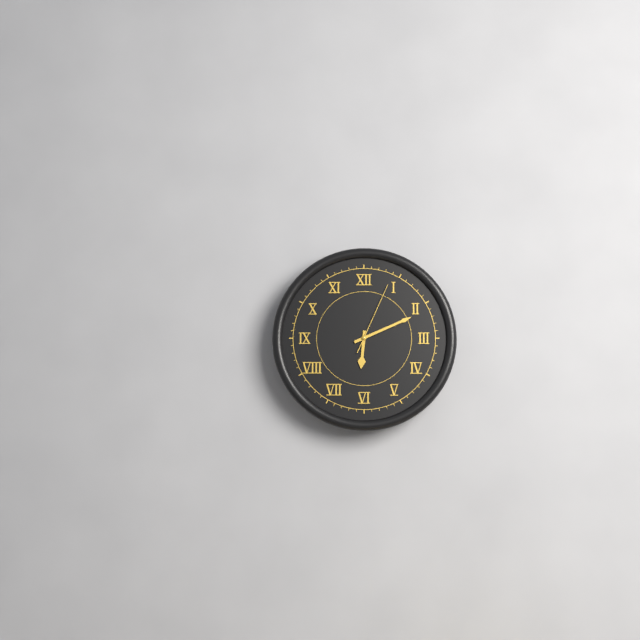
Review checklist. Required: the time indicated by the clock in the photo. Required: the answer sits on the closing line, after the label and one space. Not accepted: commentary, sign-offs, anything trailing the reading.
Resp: 6:11:04
